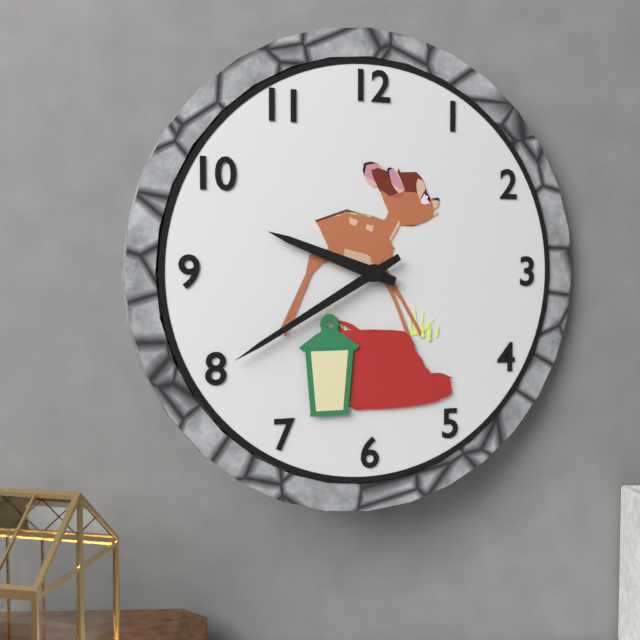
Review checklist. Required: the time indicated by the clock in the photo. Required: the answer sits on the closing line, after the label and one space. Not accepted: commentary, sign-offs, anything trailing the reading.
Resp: 9:40
